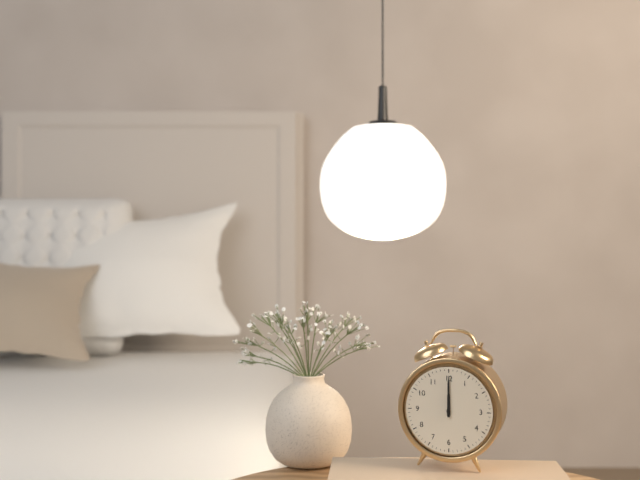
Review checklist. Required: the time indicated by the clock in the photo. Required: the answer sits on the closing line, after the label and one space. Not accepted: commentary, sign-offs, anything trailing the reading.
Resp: 12:00
